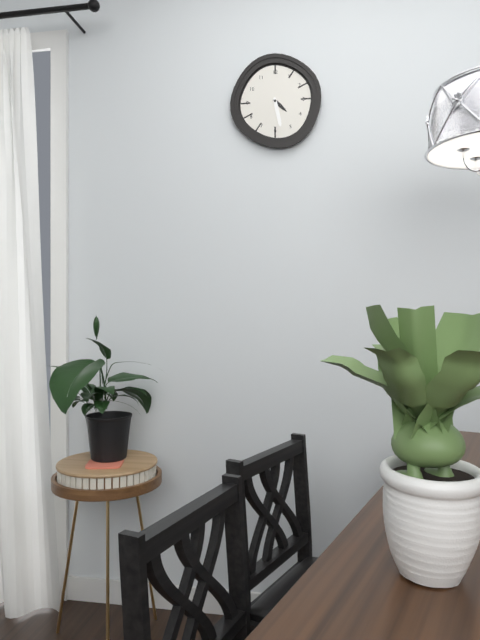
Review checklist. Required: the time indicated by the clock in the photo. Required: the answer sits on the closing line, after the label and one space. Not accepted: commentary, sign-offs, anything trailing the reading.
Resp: 4:28
